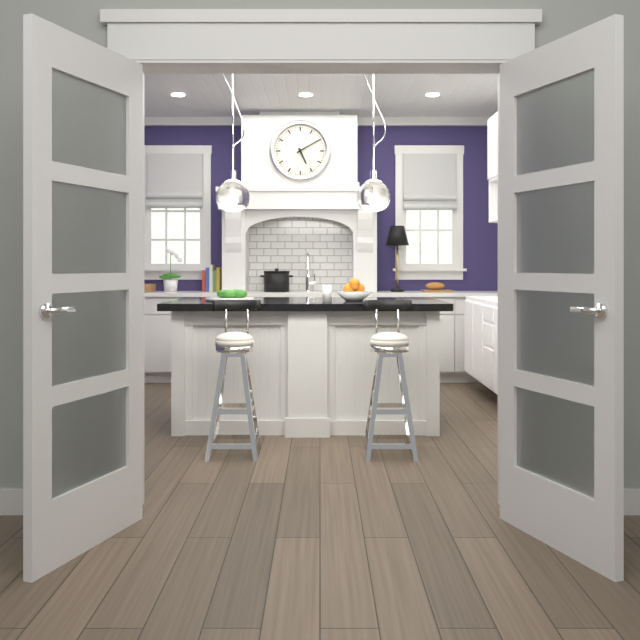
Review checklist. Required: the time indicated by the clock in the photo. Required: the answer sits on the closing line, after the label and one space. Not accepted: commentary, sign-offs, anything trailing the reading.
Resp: 5:10
